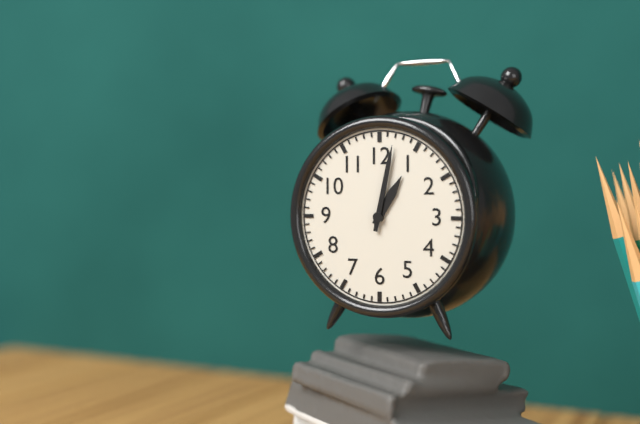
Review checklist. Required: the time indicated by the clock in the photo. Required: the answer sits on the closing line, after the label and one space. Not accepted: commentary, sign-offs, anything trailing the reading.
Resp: 1:02
